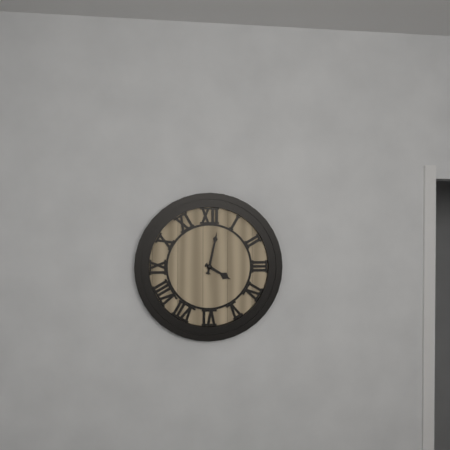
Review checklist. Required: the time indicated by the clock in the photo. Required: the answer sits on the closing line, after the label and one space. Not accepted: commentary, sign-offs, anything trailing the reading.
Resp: 4:02
